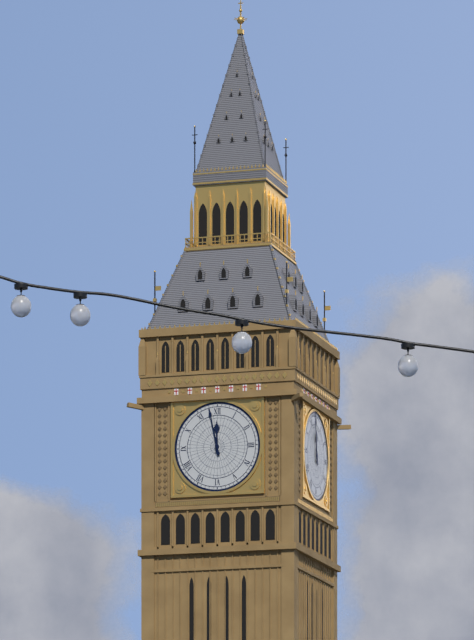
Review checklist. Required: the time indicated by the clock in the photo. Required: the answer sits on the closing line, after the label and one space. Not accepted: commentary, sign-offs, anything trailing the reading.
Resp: 11:58
